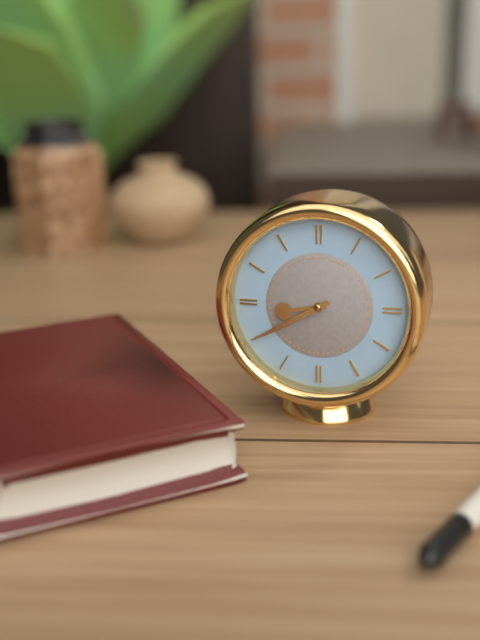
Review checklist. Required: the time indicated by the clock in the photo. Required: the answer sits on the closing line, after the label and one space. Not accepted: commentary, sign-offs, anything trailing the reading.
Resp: 8:40
